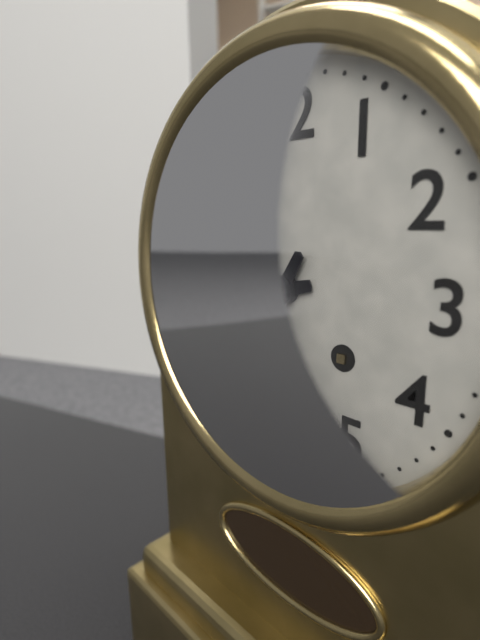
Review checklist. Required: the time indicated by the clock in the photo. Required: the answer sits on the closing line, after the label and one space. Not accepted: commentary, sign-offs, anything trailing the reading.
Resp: 8:35
